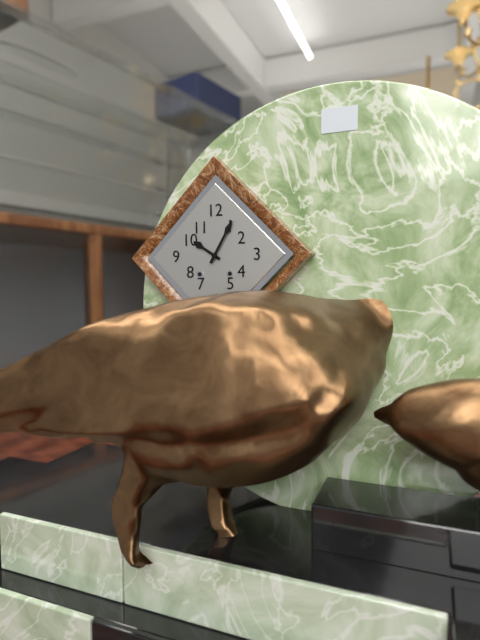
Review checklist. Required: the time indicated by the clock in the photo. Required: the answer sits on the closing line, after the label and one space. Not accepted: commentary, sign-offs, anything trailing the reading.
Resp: 10:05
